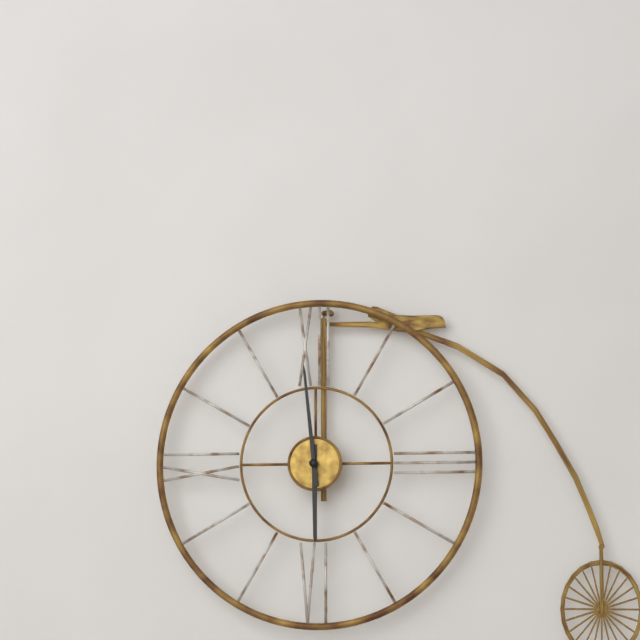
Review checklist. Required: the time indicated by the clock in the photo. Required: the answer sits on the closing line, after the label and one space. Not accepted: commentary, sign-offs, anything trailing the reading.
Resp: 5:59
